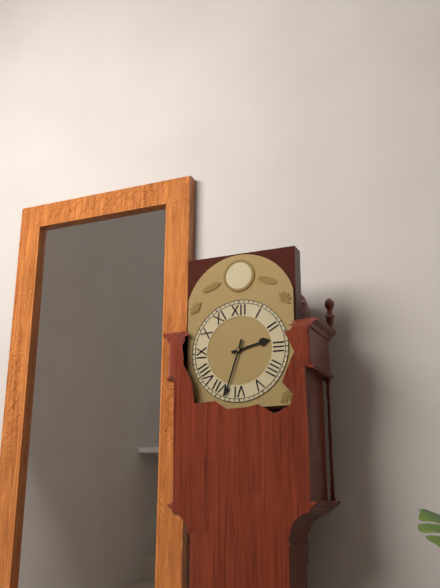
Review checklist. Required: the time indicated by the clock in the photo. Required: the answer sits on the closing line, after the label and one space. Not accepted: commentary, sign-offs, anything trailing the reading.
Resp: 2:33
